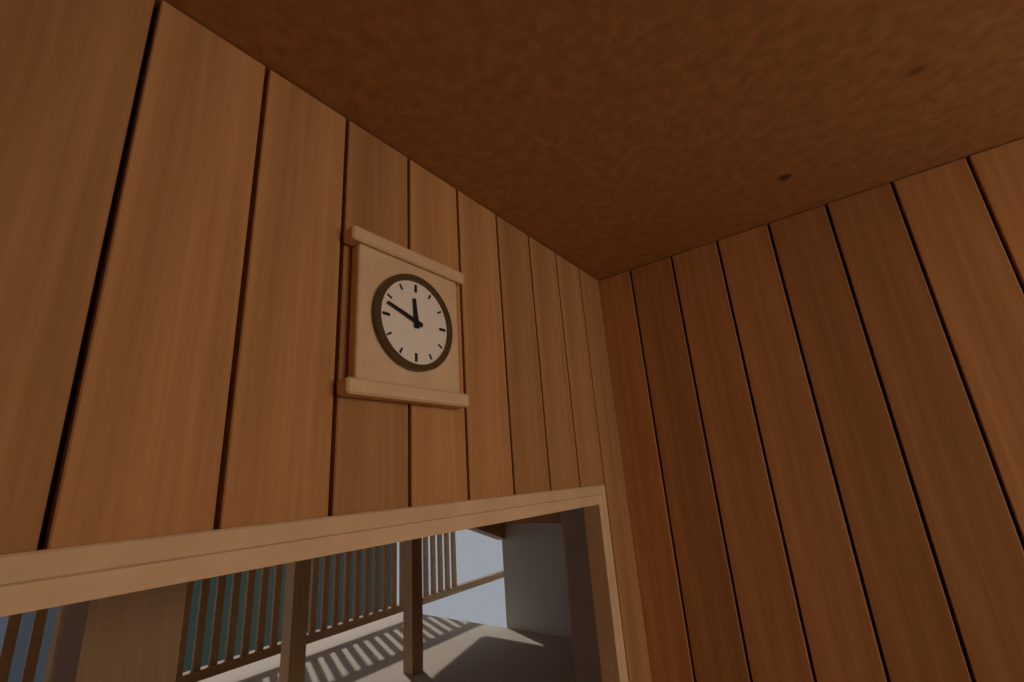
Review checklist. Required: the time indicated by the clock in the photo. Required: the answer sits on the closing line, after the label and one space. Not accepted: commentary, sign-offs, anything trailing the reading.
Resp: 11:48
